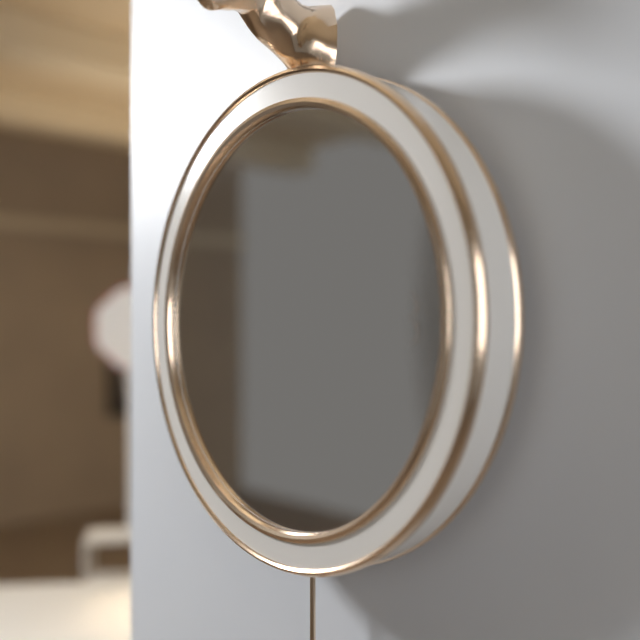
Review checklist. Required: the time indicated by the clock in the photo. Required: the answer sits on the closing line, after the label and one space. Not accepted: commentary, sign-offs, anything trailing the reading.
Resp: 4:35
